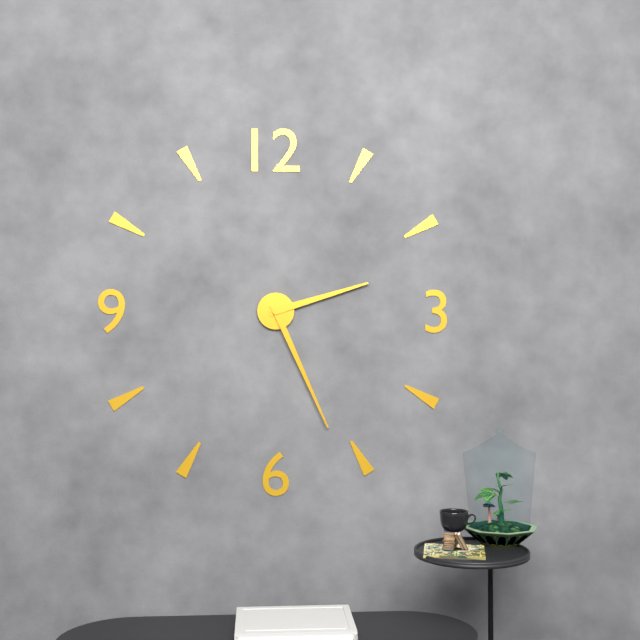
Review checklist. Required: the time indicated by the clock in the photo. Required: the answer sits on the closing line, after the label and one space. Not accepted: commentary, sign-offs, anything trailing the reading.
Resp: 2:26
